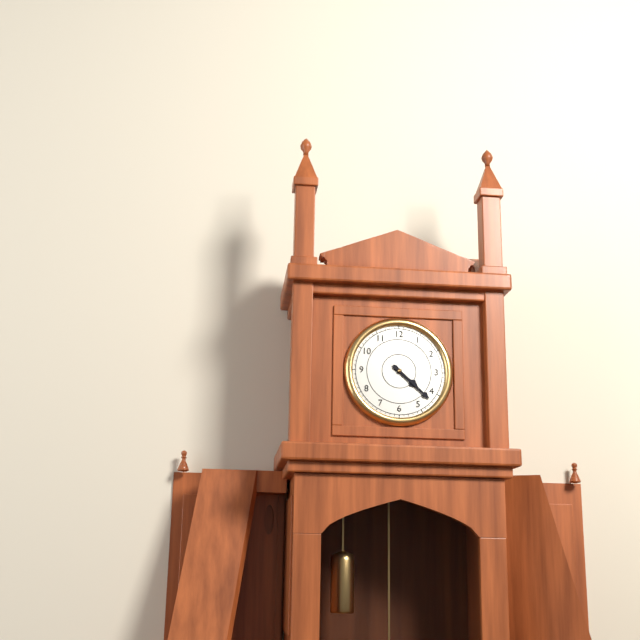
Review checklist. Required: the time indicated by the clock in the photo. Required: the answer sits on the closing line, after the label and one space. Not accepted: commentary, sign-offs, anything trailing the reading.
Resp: 4:22
